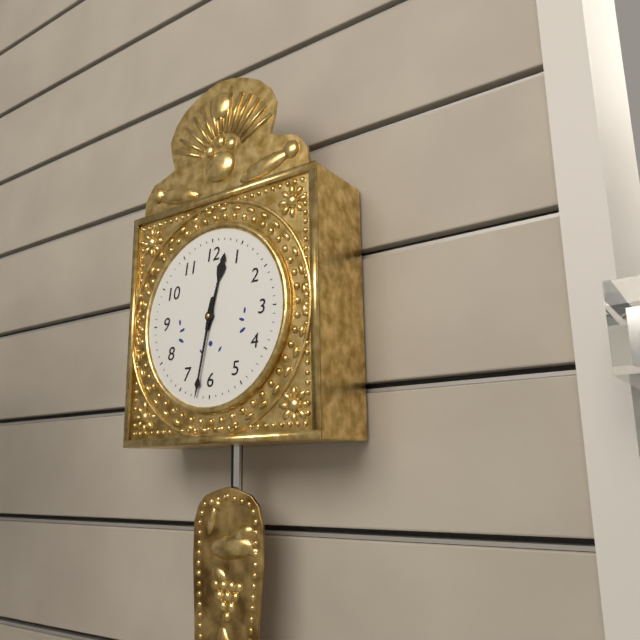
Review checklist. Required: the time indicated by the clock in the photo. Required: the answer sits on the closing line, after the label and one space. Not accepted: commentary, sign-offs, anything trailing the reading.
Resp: 12:32
